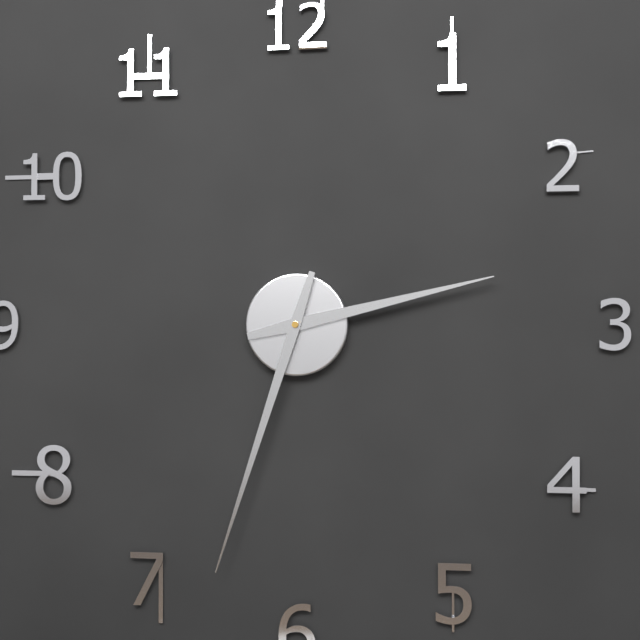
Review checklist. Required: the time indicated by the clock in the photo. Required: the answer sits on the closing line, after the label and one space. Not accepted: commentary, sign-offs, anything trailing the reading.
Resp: 2:33
